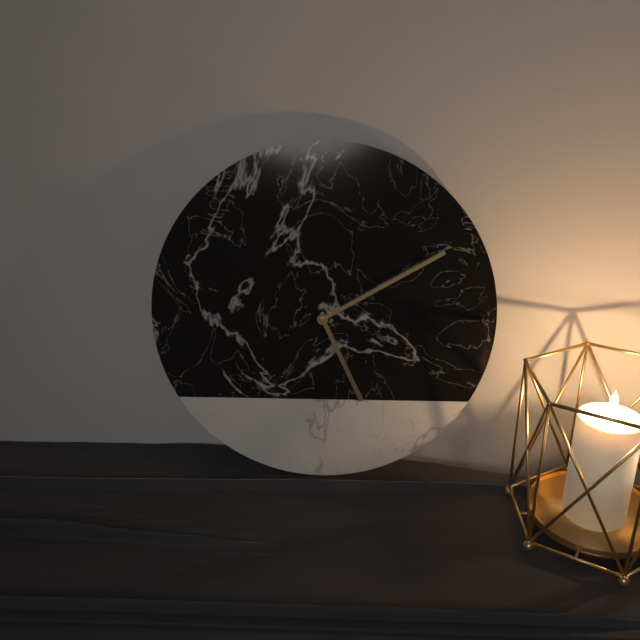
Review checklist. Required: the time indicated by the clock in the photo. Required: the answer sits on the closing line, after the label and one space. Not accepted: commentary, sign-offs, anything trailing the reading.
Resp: 5:10
